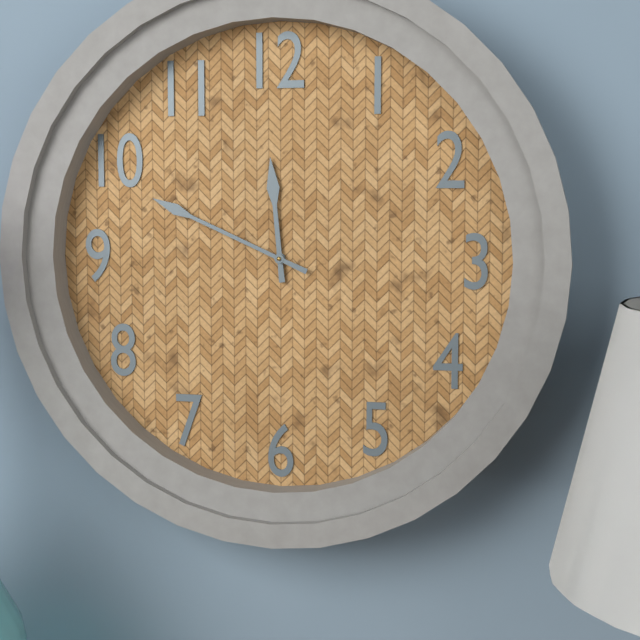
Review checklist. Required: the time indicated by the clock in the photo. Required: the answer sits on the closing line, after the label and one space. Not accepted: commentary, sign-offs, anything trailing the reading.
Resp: 11:49
